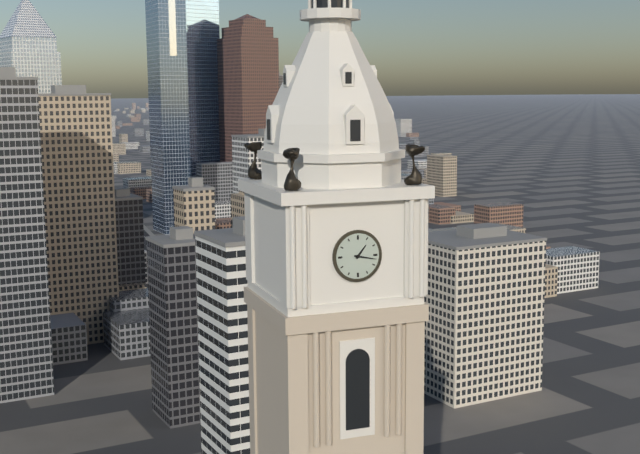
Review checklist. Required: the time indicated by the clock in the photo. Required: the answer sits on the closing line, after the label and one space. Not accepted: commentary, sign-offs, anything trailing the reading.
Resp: 1:17
